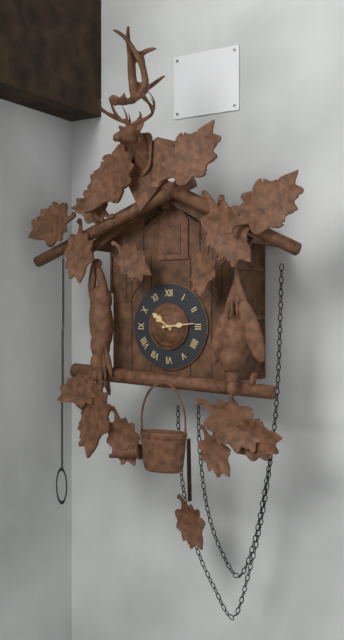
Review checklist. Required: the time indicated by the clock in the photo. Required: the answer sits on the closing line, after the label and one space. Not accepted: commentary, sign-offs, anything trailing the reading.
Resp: 10:14
